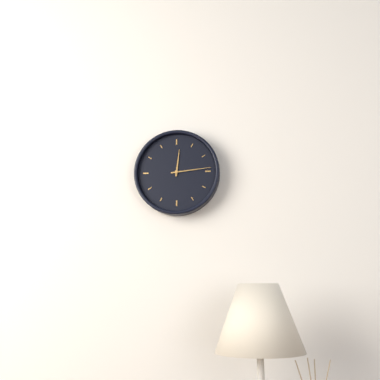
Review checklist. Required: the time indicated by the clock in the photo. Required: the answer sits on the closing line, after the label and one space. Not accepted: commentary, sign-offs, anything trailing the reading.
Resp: 12:14
